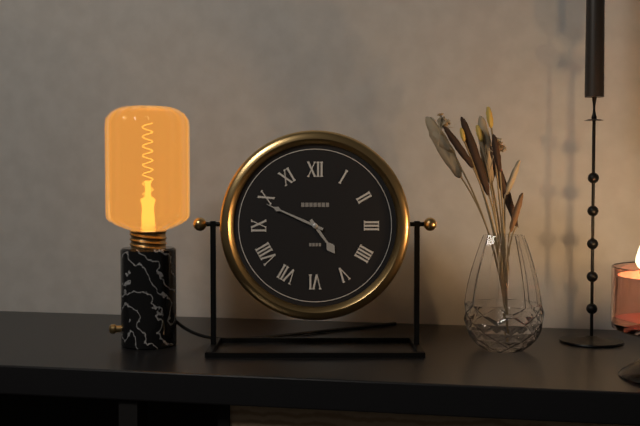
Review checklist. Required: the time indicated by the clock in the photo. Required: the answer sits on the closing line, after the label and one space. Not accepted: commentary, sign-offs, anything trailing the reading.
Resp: 4:49
